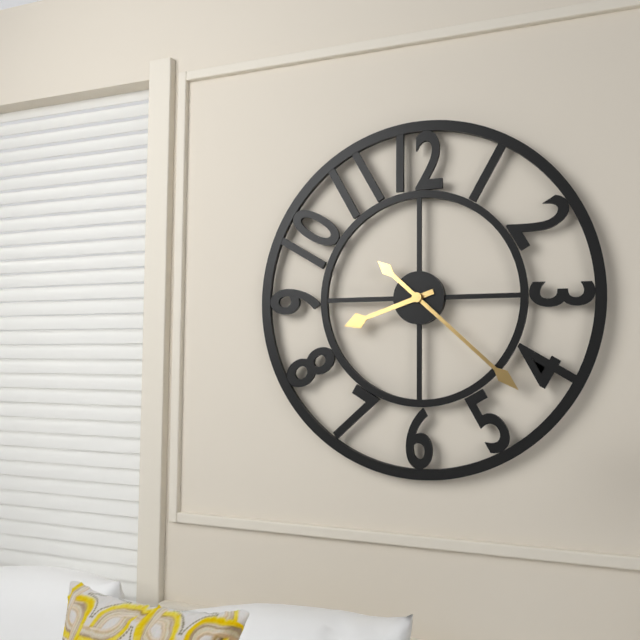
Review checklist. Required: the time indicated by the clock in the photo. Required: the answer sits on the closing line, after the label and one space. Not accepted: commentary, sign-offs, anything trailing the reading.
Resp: 8:22
